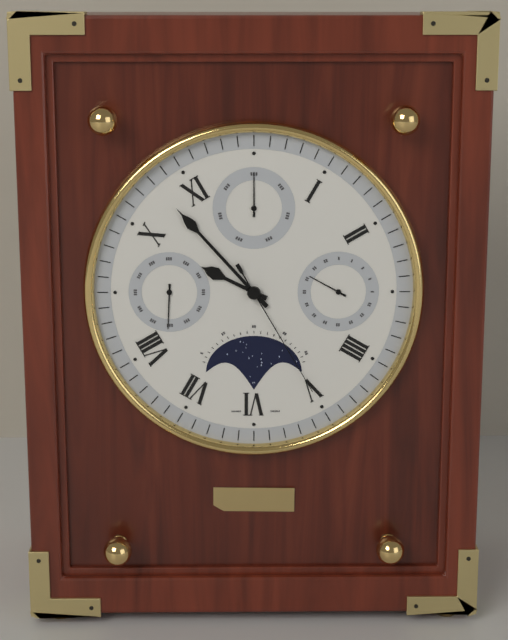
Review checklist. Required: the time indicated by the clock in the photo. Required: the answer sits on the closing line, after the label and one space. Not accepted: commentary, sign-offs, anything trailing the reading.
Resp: 9:53:25
